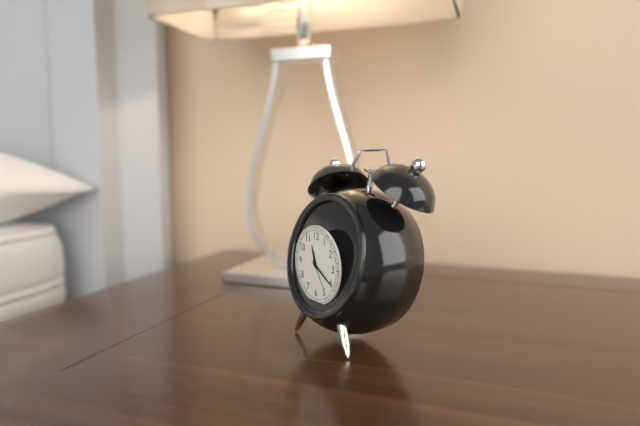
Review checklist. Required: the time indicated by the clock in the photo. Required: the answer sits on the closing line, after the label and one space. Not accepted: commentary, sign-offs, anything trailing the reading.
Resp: 11:20
